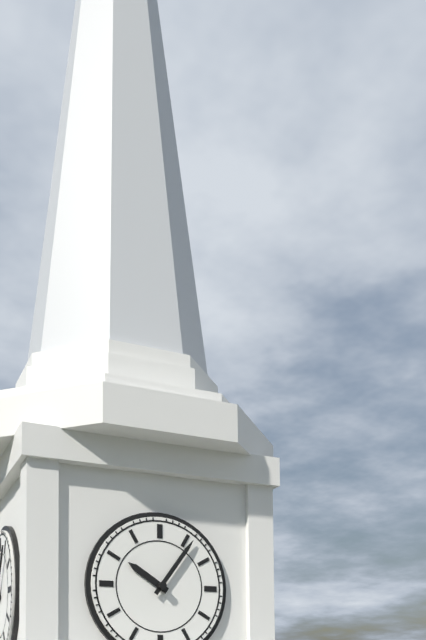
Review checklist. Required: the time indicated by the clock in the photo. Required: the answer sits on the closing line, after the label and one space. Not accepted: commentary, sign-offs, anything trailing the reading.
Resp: 10:06
